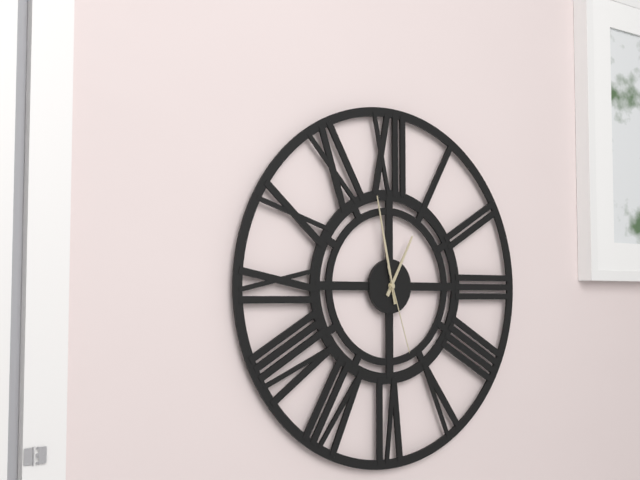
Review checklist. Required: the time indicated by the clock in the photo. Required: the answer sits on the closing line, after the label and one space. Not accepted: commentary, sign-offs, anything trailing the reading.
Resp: 12:58:27
